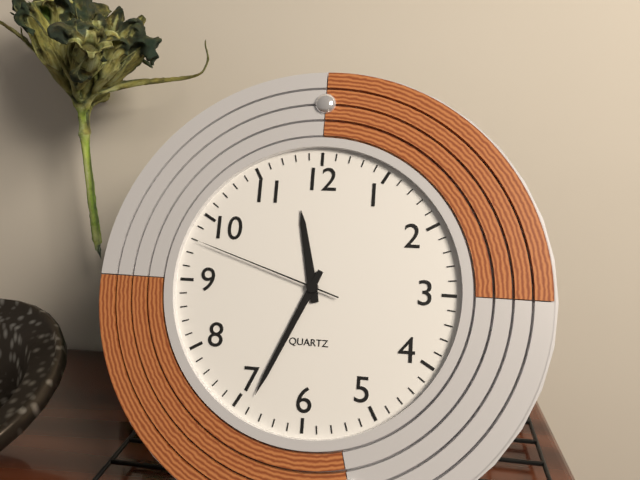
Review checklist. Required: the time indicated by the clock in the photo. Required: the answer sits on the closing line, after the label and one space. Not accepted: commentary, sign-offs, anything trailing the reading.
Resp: 11:34:48
